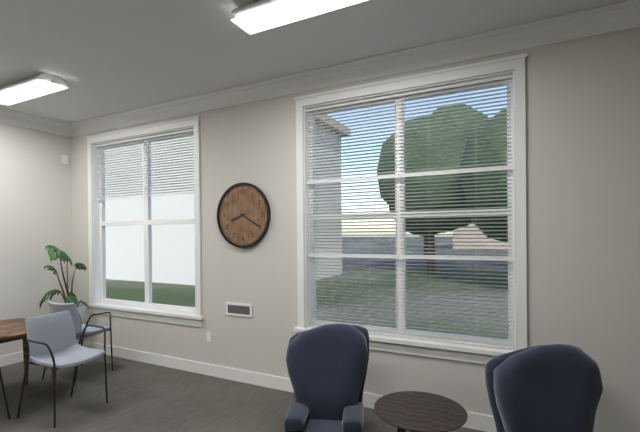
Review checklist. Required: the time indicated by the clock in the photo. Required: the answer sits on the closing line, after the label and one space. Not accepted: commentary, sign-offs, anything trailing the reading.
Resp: 8:20
